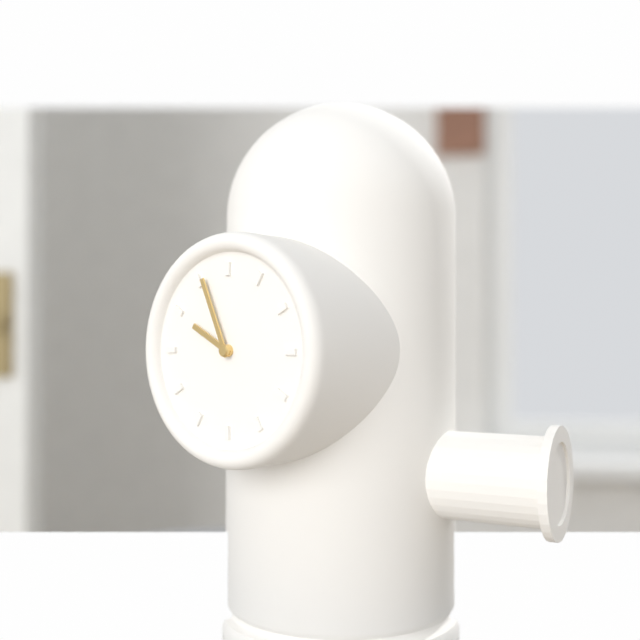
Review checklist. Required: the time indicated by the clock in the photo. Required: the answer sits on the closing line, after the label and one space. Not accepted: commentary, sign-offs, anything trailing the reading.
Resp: 9:56
